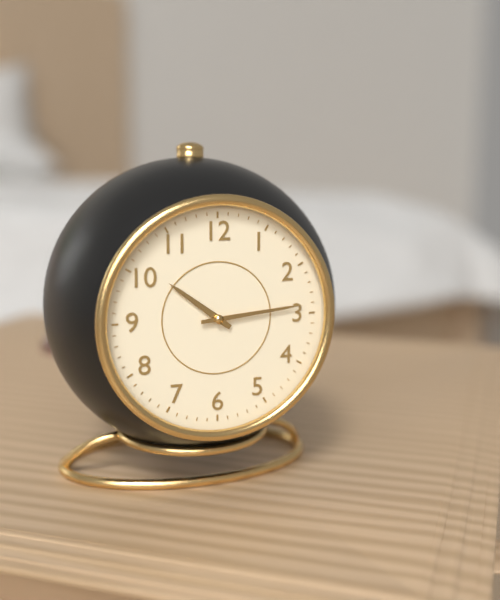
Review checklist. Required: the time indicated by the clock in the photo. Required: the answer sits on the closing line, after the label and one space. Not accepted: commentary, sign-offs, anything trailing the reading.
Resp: 10:14
